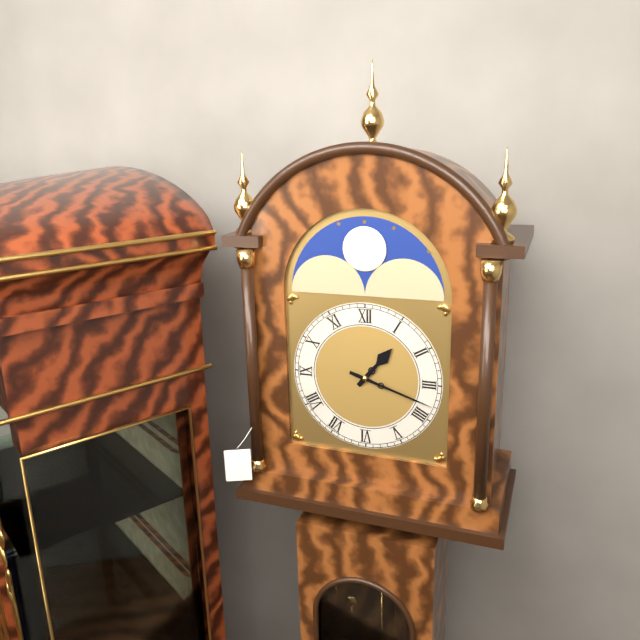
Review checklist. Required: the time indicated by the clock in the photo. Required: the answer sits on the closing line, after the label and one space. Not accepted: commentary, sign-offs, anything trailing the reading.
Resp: 1:18
